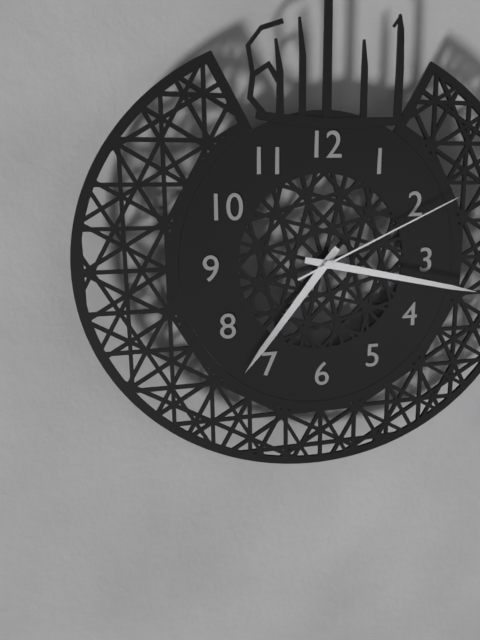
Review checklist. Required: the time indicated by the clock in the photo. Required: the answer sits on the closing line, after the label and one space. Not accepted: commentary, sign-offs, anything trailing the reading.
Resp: 7:17:11
